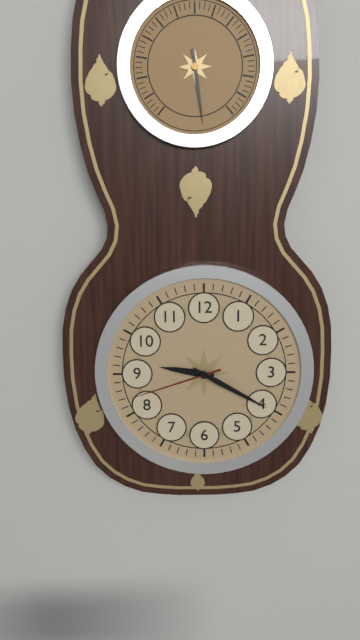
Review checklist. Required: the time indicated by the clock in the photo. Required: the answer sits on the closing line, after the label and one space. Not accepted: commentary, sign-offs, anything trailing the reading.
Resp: 9:20:42
